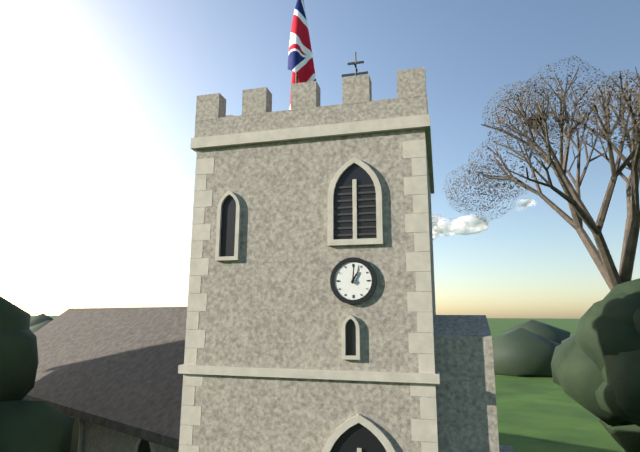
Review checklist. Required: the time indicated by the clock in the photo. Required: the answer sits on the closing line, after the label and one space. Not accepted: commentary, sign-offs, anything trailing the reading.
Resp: 1:01
